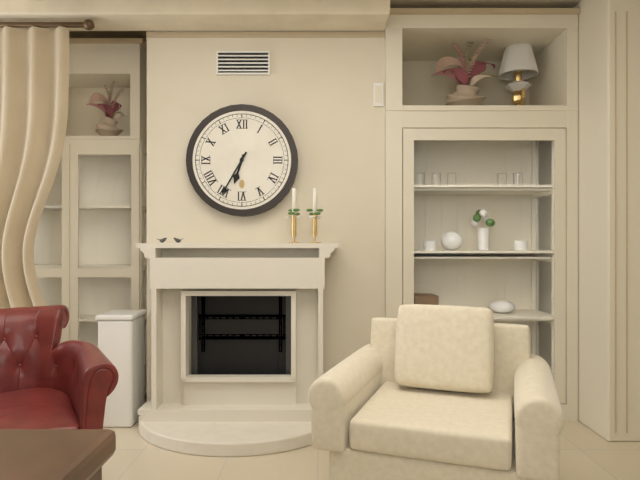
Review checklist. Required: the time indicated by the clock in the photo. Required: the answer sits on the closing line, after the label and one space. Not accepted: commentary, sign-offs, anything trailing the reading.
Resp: 6:35
